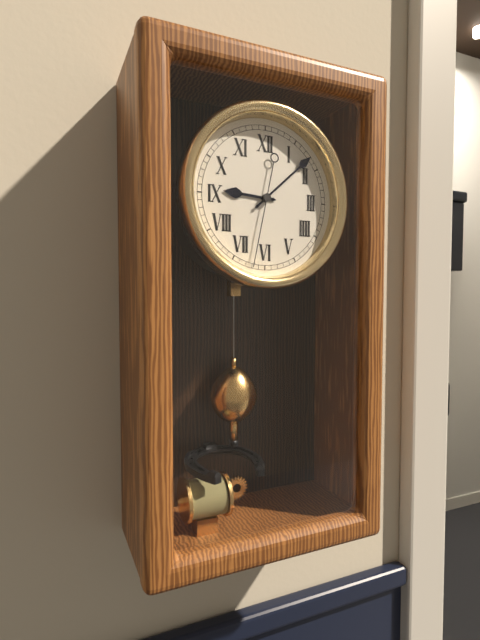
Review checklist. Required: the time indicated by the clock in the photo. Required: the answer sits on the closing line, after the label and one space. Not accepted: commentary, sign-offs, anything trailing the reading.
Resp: 9:08:32
